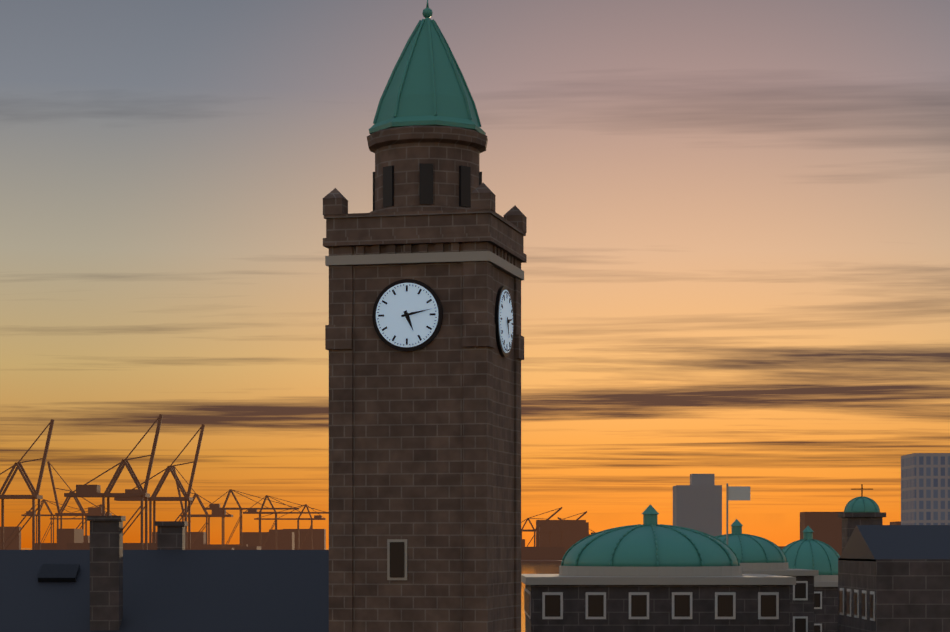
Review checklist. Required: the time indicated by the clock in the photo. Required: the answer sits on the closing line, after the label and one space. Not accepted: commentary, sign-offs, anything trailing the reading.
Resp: 5:13
